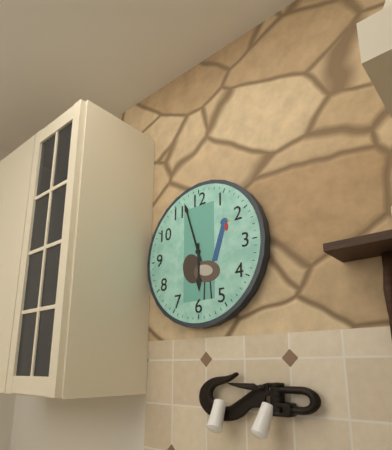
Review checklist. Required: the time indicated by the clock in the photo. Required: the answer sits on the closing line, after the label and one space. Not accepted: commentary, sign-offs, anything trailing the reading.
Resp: 5:57
